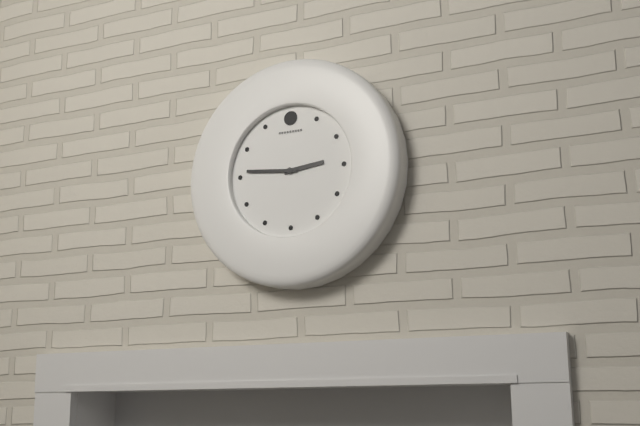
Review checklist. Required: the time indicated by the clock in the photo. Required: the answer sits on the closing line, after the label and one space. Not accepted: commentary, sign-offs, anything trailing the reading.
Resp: 2:46
